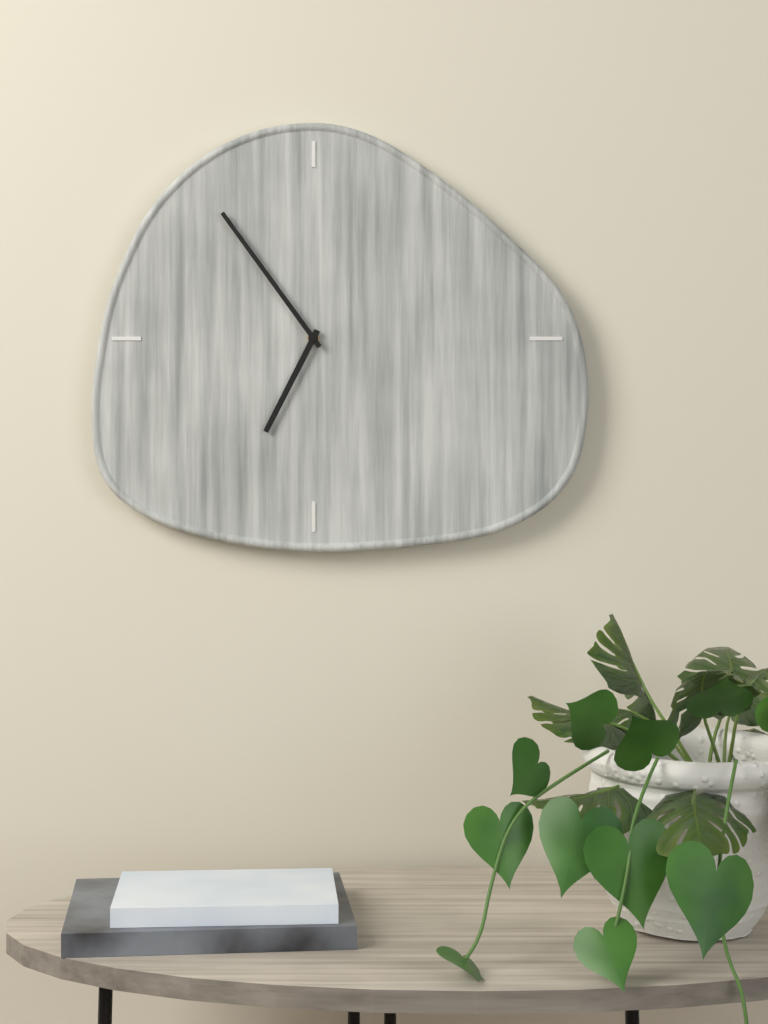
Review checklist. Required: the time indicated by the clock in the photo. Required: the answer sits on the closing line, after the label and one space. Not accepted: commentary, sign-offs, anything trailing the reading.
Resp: 6:54
